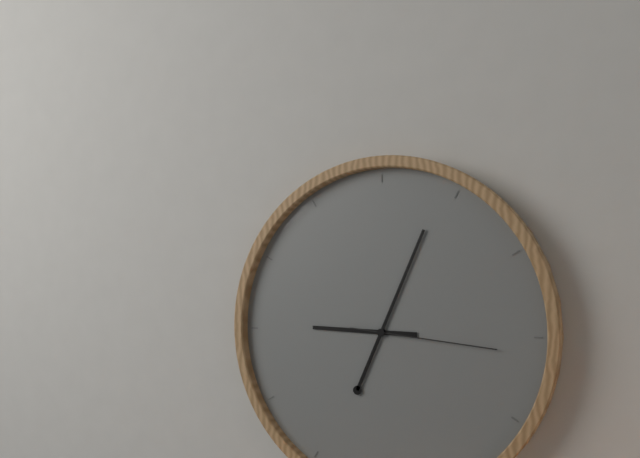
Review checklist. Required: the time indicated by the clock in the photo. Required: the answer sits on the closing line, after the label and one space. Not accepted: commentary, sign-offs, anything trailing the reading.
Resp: 9:04:16
